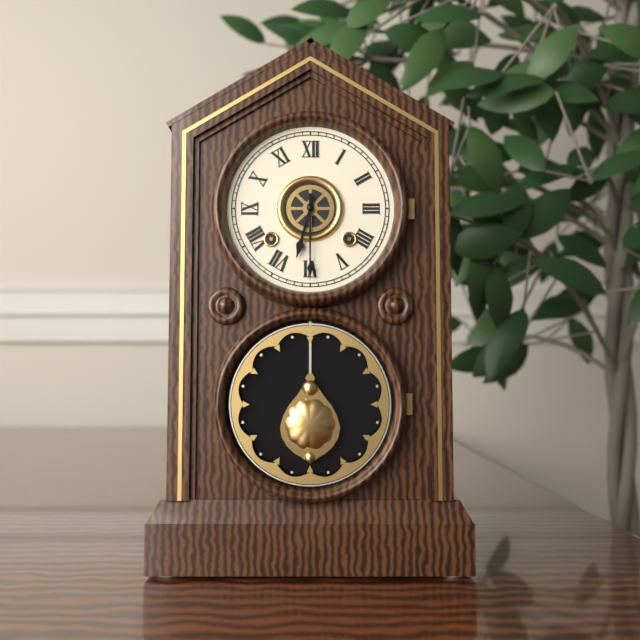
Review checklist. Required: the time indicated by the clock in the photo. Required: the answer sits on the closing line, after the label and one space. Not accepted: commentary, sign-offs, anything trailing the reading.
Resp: 6:30
